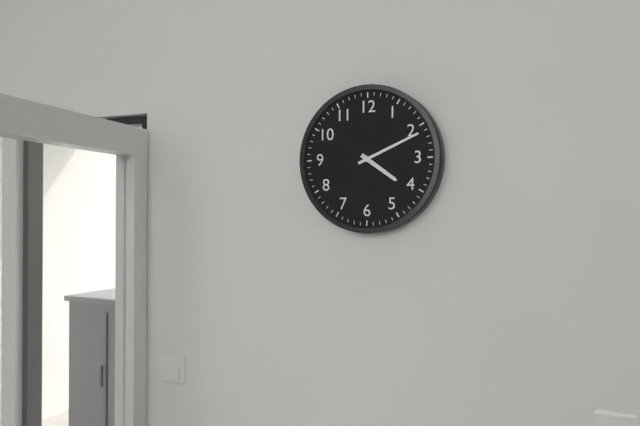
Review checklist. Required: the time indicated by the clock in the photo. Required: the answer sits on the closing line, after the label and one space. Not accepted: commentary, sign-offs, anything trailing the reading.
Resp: 4:11
